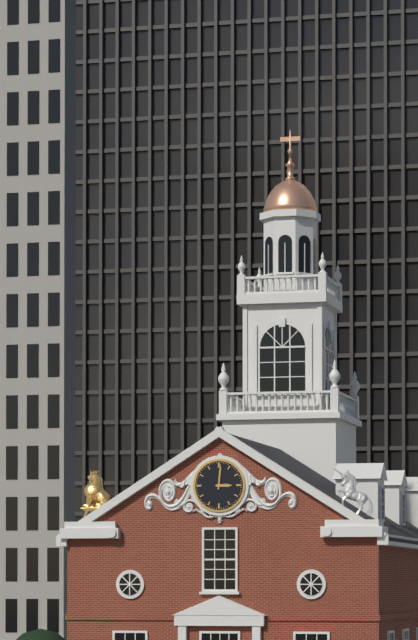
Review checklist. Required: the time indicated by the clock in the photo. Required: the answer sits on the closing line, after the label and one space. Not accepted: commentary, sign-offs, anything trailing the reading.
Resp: 3:01
